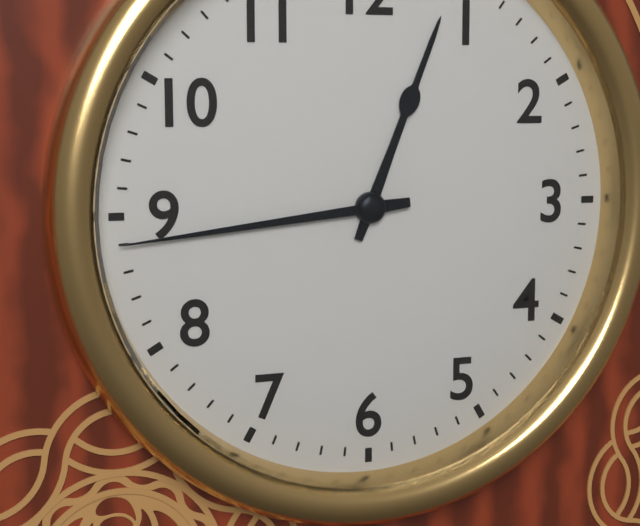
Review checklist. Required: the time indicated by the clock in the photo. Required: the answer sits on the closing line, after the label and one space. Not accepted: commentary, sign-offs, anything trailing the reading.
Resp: 12:44
